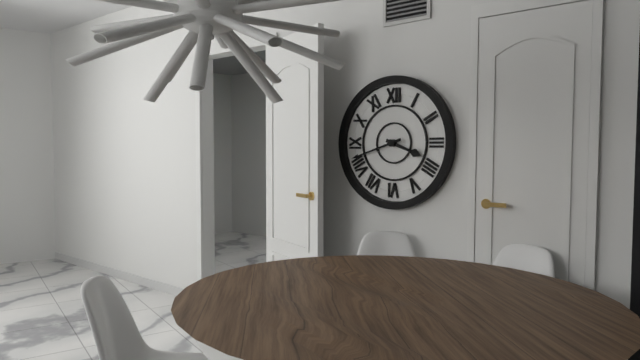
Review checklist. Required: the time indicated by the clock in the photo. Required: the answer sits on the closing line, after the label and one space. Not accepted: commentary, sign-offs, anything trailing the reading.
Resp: 3:42
